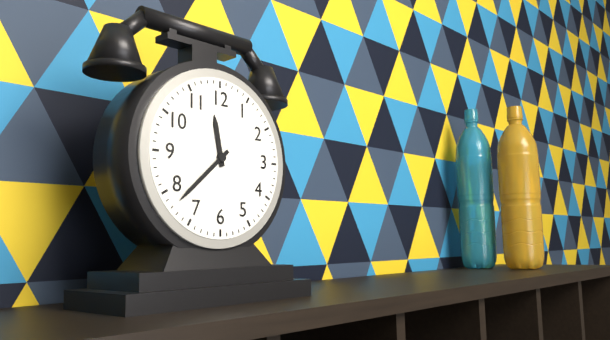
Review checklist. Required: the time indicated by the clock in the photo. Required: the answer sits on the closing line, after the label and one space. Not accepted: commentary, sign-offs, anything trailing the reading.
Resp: 11:38
